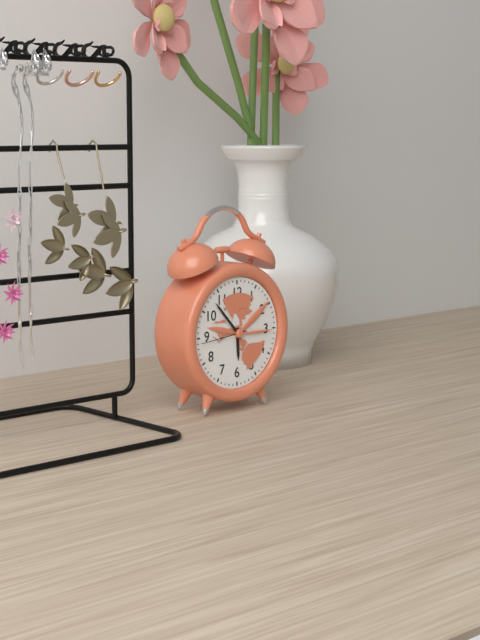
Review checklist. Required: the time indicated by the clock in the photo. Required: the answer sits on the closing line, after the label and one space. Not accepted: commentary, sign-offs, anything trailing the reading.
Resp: 5:53
